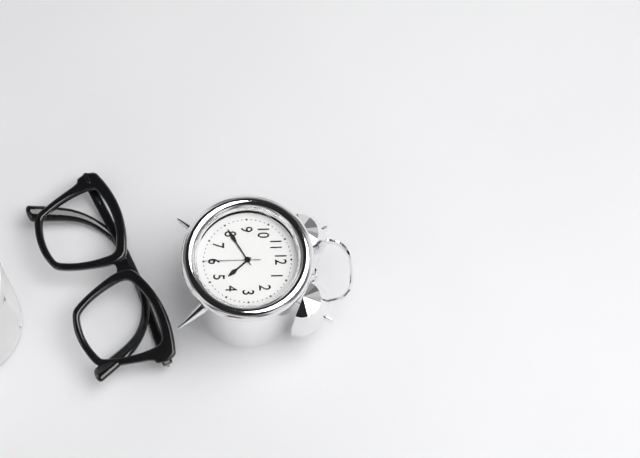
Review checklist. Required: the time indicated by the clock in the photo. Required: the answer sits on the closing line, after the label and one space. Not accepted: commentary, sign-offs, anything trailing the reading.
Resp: 4:40:30
